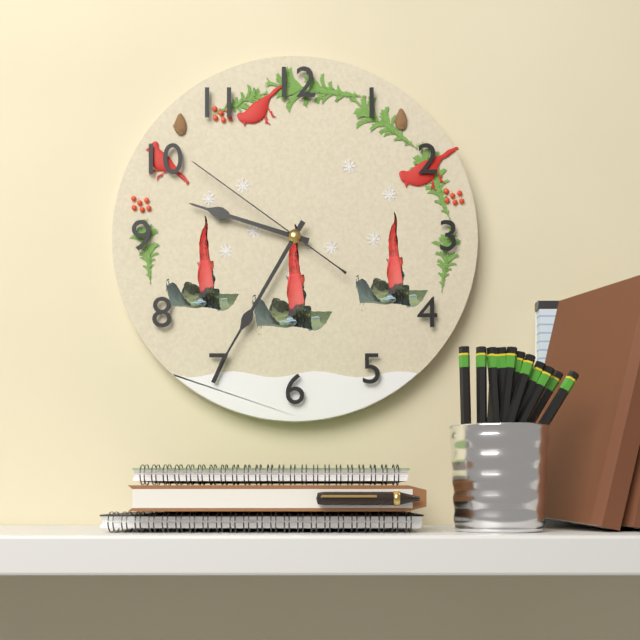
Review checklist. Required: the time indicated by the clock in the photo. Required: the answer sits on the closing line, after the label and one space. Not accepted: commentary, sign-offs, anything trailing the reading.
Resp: 9:35:51
